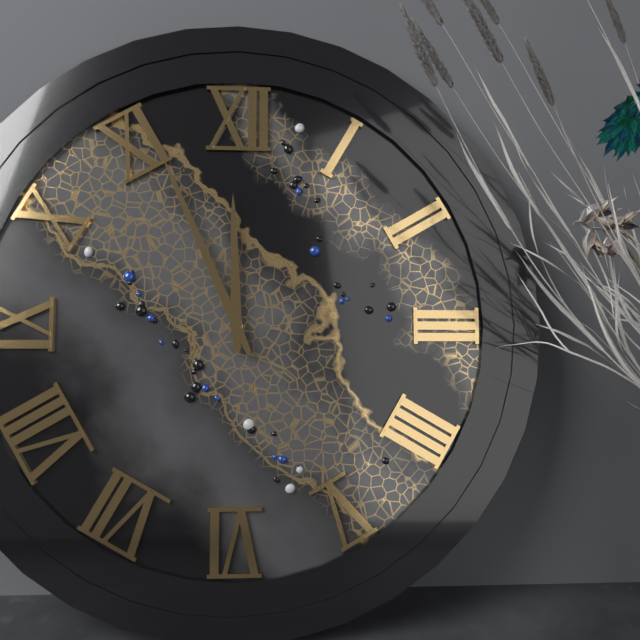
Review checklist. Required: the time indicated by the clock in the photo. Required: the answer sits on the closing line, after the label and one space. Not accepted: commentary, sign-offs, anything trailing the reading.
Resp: 11:56
